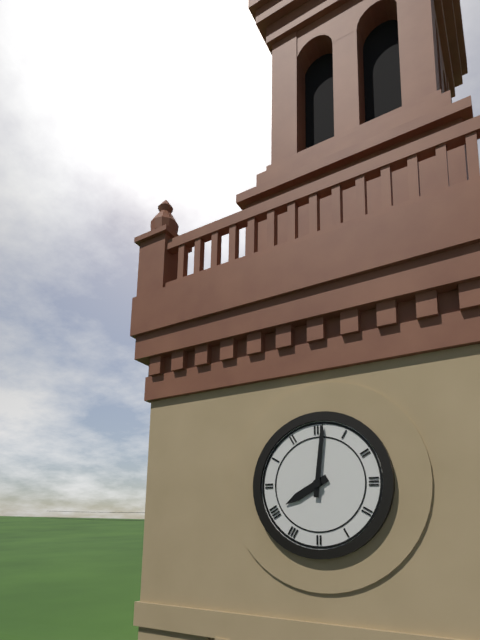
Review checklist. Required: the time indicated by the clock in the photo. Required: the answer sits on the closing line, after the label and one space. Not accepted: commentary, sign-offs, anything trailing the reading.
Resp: 8:01
